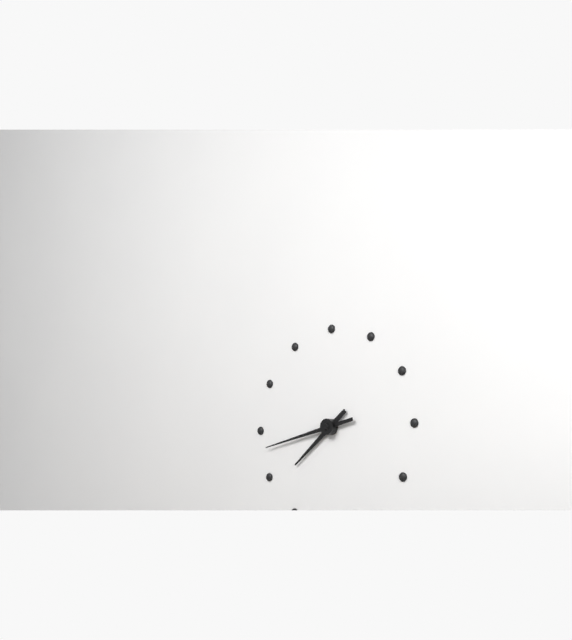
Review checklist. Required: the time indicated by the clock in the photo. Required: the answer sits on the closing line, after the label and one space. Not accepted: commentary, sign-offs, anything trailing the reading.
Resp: 7:43
